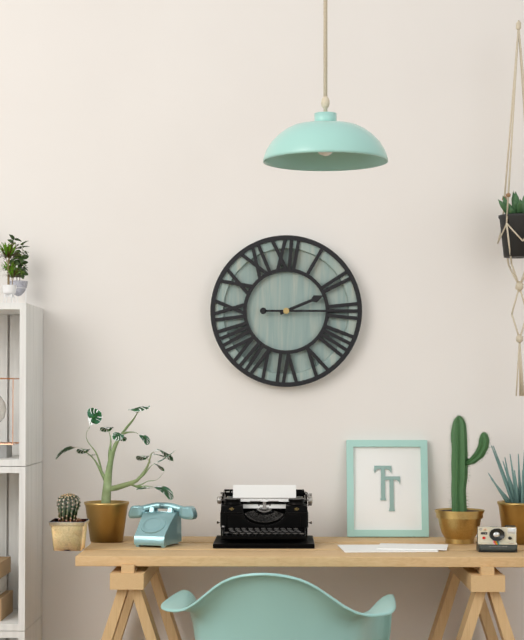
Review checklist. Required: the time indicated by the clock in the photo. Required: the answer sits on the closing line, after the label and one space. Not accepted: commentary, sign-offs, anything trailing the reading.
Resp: 2:15
